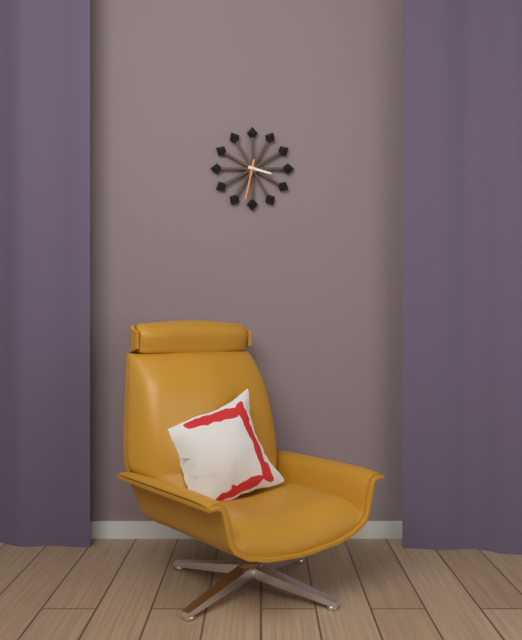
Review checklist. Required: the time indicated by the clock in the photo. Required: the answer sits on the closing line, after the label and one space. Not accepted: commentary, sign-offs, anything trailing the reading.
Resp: 3:32
